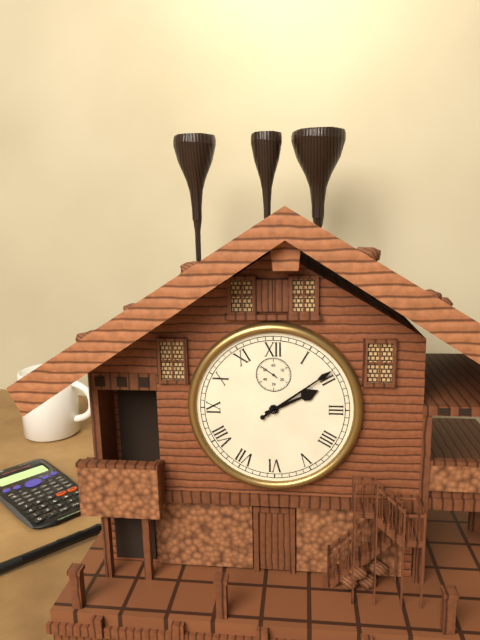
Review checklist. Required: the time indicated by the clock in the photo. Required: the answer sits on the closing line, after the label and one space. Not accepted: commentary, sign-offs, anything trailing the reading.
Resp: 2:09
